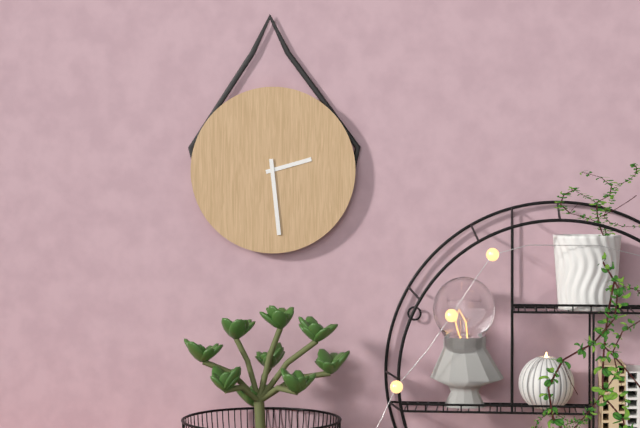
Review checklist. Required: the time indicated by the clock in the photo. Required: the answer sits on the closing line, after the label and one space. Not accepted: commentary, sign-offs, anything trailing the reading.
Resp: 2:29
